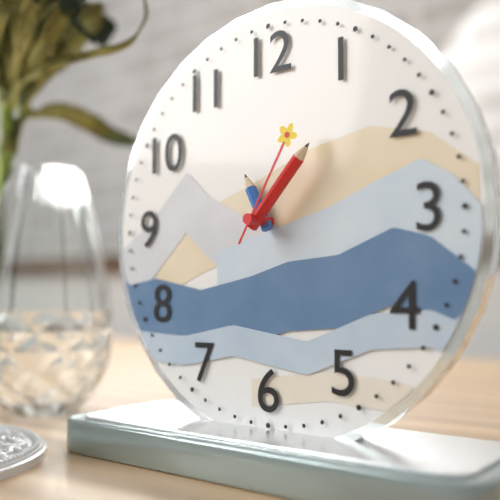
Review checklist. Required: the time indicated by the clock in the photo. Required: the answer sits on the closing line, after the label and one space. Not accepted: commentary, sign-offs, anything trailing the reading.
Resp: 11:07:05
